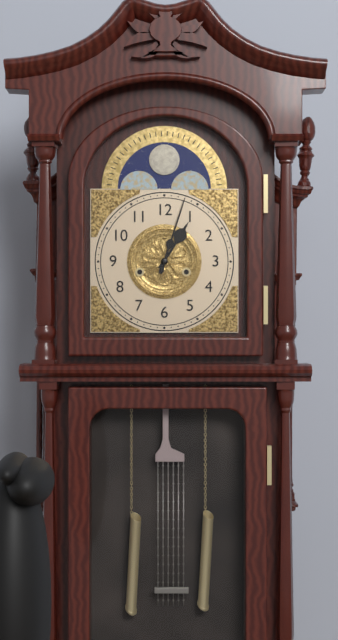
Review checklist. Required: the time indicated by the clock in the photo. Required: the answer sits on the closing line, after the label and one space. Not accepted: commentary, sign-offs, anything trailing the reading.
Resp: 1:03
